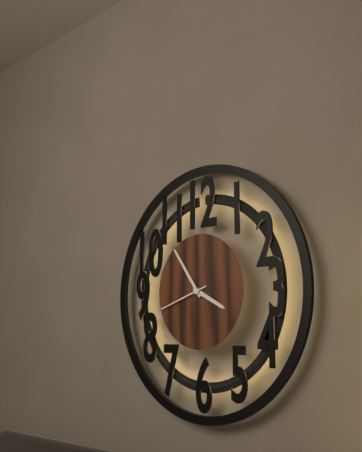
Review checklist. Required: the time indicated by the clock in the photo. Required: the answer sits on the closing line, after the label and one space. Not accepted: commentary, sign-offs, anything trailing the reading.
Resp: 3:54
